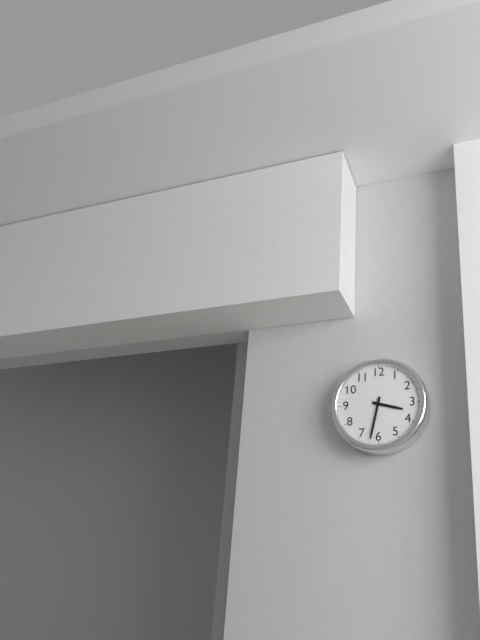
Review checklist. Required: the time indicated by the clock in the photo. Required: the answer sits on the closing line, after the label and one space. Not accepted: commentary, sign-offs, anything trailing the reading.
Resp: 3:32
